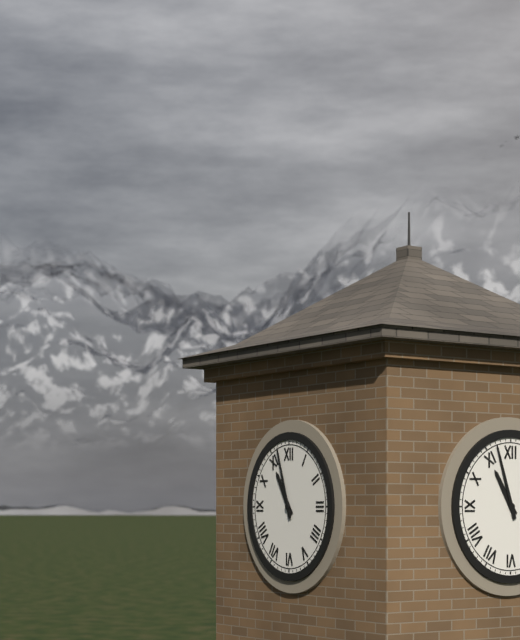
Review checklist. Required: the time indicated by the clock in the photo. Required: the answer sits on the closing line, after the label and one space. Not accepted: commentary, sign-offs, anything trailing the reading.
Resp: 10:57
